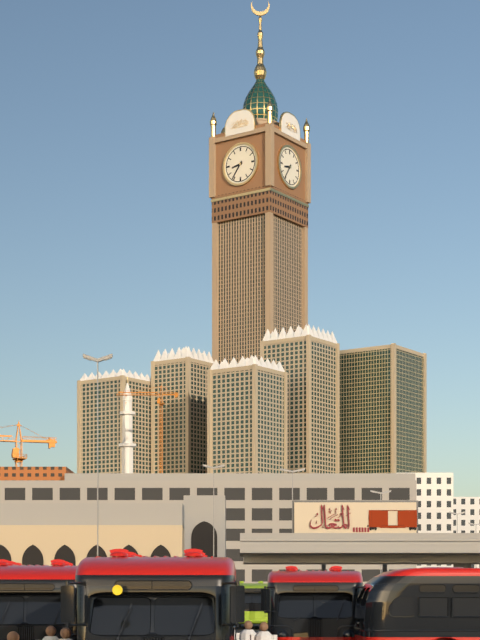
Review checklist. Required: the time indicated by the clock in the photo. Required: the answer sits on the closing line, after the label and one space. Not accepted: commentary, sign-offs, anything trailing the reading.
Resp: 8:36
